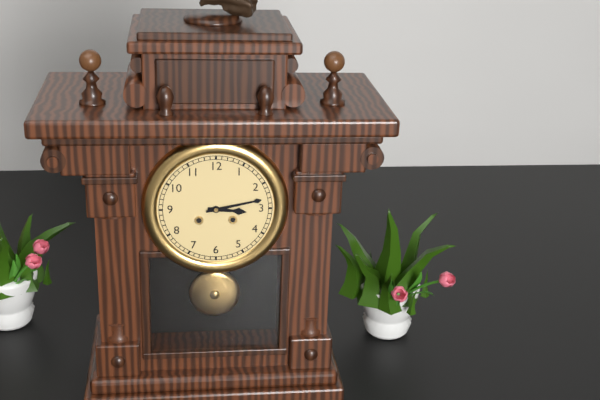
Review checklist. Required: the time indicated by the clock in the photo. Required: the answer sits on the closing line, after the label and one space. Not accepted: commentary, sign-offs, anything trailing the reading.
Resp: 3:13
